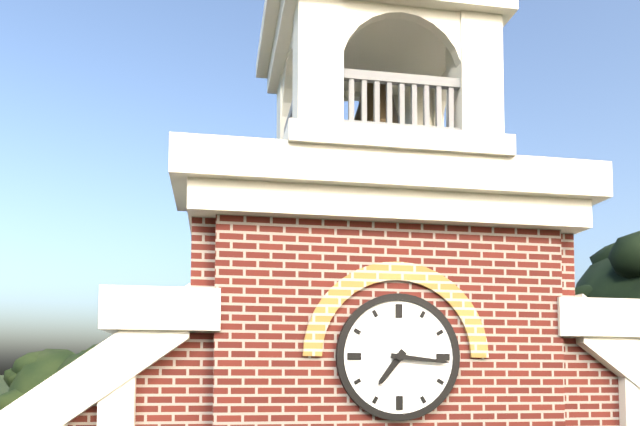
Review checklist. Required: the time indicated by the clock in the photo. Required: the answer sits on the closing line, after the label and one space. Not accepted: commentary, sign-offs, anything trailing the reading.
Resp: 7:16
